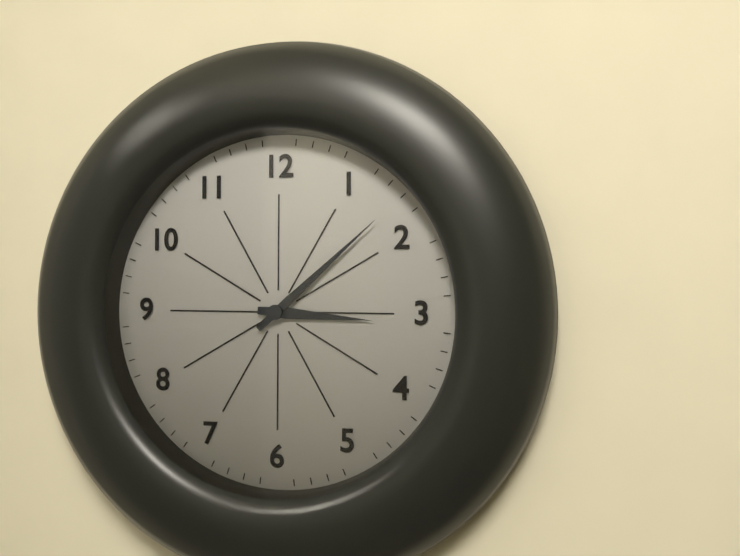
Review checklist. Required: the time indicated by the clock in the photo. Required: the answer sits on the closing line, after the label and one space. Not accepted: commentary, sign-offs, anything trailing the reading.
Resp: 3:08
